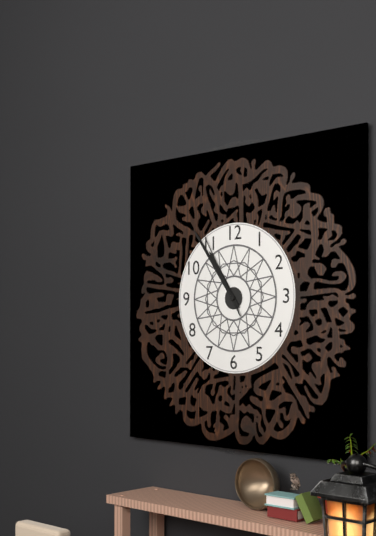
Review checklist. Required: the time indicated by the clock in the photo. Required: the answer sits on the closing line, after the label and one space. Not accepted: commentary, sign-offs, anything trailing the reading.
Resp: 10:54:55
